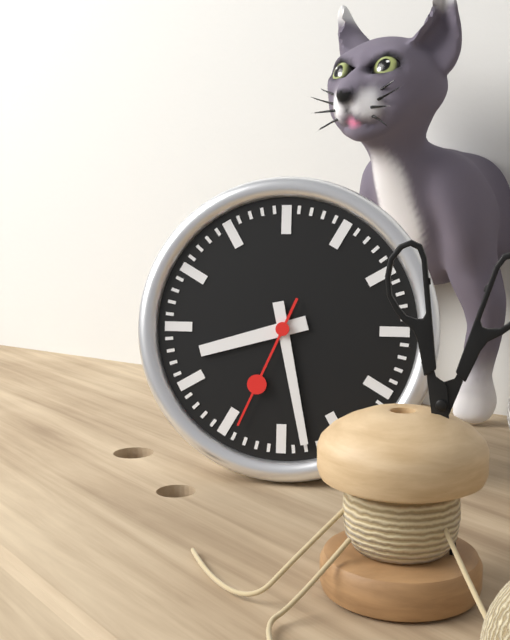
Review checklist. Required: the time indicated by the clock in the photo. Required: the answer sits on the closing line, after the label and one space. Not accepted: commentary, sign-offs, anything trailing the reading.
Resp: 8:28:34
